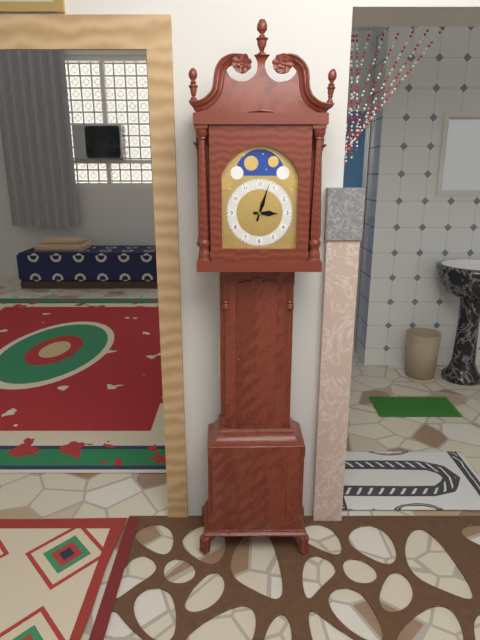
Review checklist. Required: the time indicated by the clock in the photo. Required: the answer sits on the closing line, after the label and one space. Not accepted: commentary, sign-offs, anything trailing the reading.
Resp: 3:03
